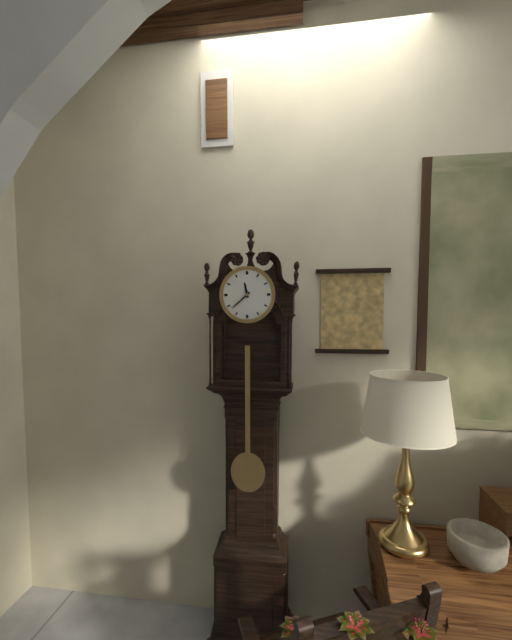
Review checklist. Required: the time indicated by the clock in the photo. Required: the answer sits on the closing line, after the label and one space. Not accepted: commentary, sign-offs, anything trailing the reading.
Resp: 11:38
